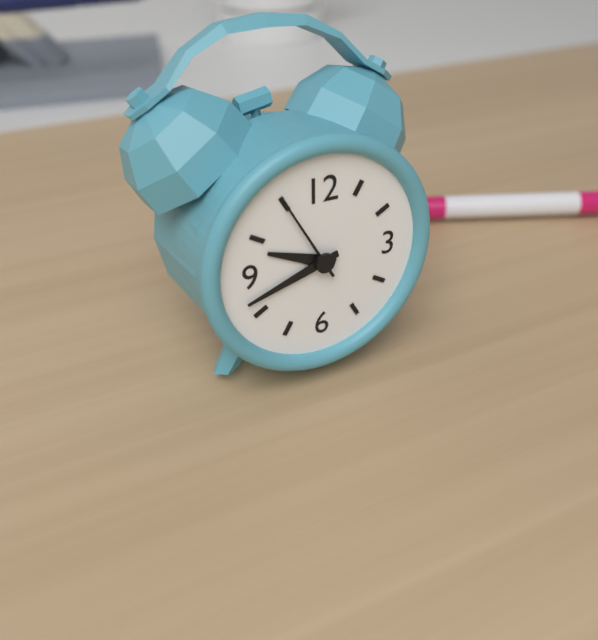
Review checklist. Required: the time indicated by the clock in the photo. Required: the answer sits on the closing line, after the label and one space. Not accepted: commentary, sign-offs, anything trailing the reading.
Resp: 9:42:55
